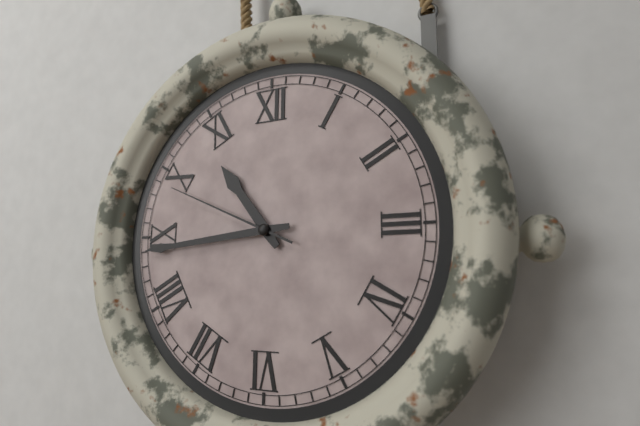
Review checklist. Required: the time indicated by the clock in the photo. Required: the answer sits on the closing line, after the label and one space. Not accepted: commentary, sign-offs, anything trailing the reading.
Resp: 10:44:49
